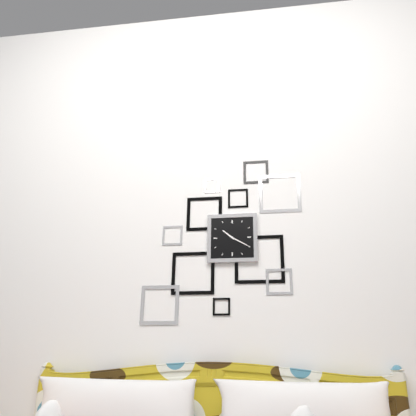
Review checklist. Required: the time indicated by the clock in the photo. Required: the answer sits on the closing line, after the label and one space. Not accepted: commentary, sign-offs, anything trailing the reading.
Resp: 10:20
